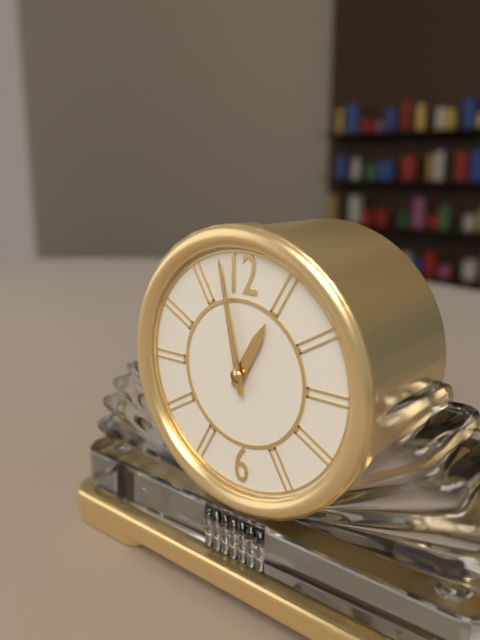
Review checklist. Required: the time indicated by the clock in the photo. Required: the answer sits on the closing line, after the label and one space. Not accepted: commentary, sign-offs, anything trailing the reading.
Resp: 12:58
